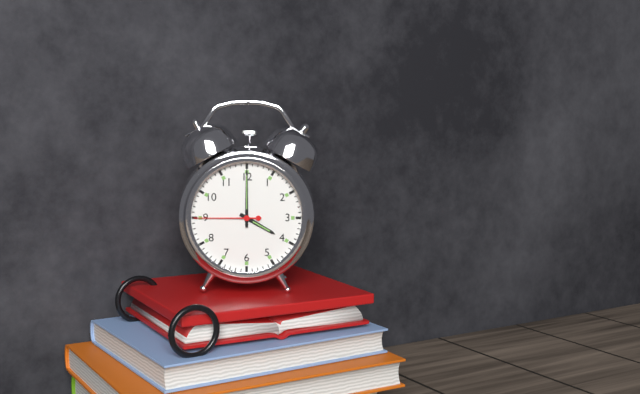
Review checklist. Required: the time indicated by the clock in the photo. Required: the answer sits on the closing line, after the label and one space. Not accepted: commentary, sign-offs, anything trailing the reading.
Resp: 4:00:45
